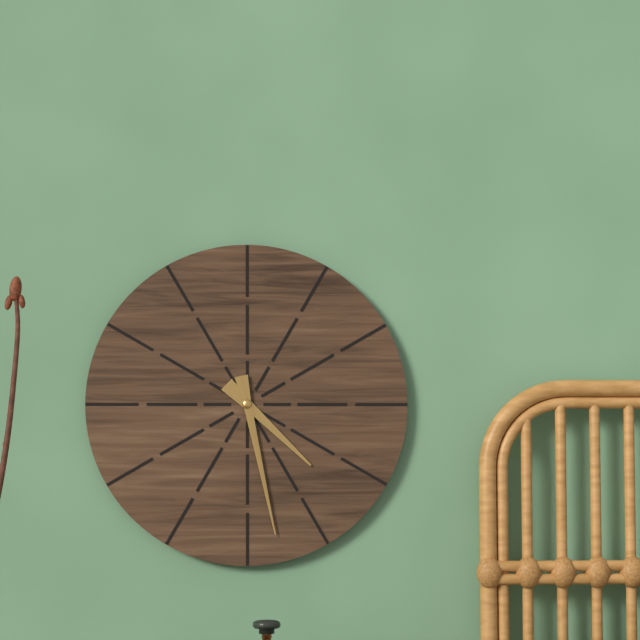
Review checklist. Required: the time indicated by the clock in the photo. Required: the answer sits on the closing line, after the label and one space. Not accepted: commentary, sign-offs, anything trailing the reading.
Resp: 4:28:28
